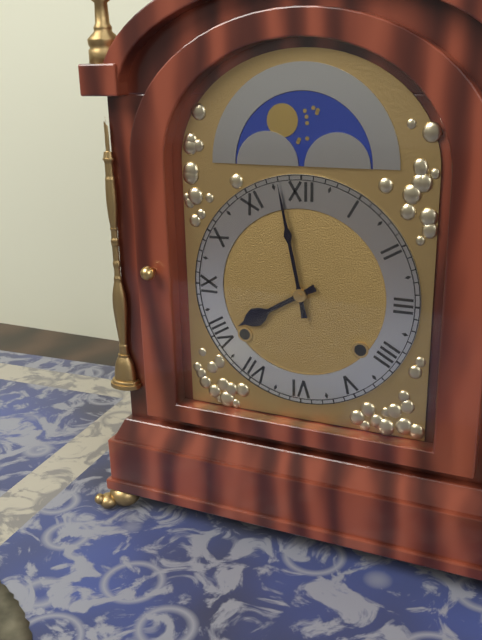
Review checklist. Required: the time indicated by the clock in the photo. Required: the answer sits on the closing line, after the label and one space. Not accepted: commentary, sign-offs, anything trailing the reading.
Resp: 7:58
